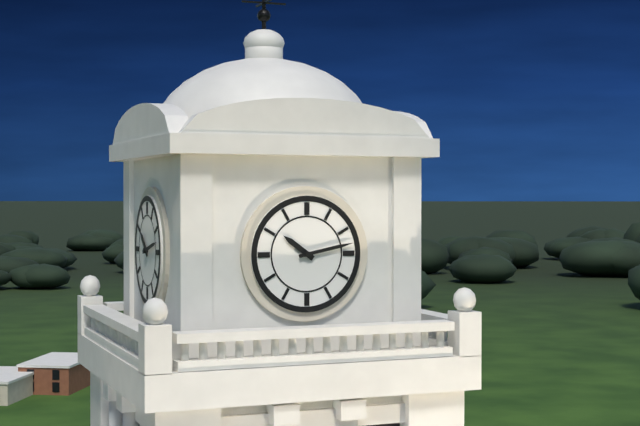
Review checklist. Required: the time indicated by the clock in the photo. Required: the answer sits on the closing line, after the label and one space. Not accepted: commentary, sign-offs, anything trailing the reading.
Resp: 10:13
